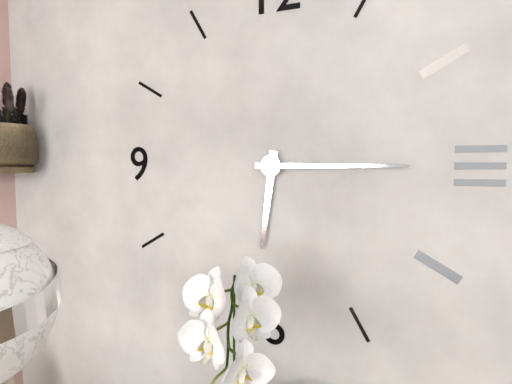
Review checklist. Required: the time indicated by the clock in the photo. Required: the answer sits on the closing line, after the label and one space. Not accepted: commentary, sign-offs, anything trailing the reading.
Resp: 6:15
